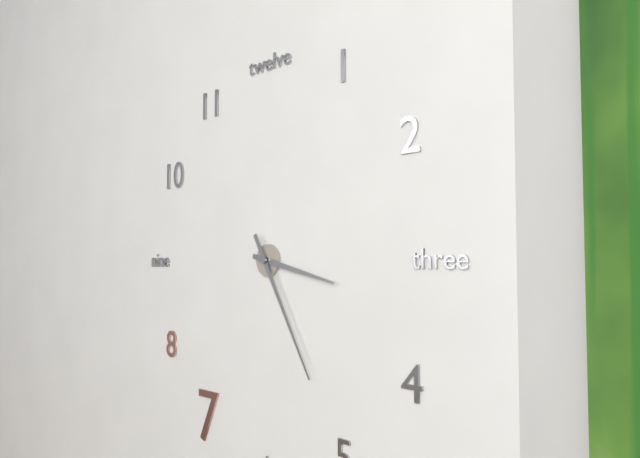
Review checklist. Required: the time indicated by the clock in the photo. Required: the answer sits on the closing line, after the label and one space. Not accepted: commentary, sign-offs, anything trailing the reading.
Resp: 3:25
